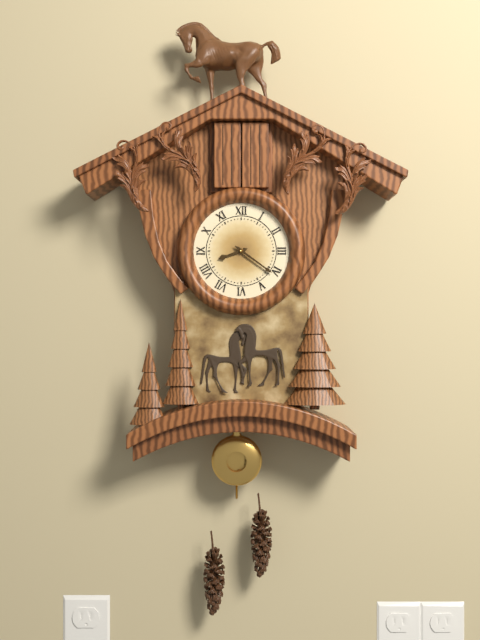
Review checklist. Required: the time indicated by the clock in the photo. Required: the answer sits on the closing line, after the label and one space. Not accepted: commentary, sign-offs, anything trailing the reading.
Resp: 8:21
